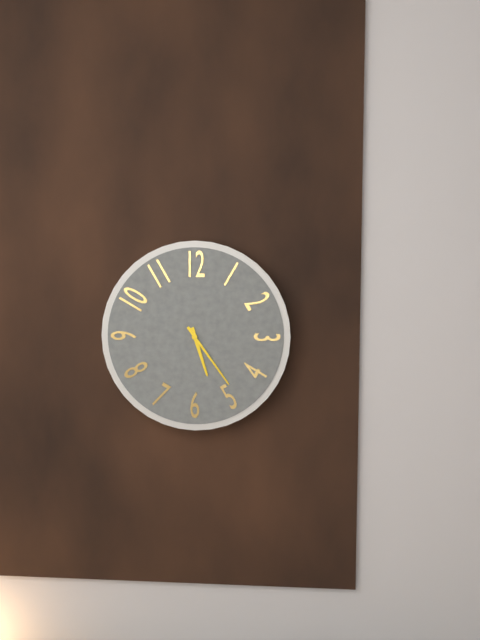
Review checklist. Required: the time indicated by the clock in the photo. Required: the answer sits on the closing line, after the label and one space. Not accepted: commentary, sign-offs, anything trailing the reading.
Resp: 5:24
